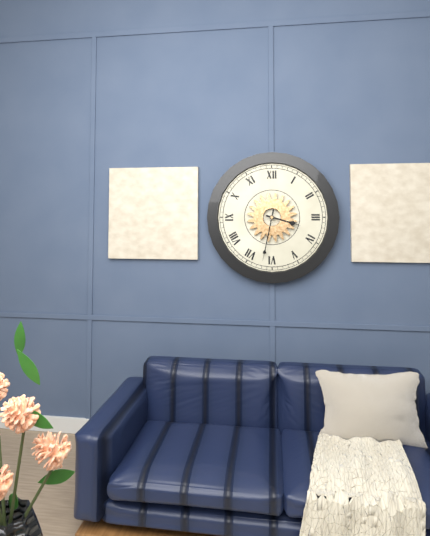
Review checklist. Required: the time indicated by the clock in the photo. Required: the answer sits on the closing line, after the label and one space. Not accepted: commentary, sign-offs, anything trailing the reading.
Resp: 3:32
